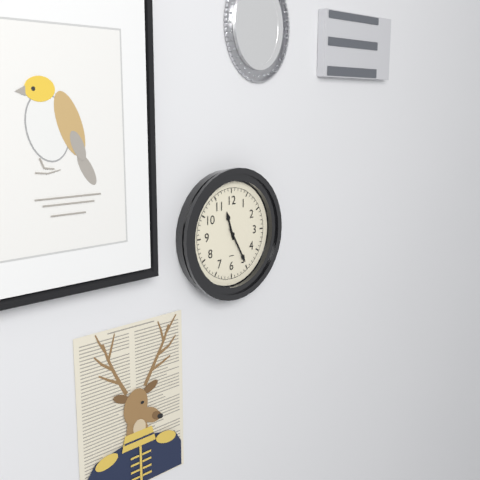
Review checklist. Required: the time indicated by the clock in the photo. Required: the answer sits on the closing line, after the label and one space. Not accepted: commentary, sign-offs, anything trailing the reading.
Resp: 11:25
